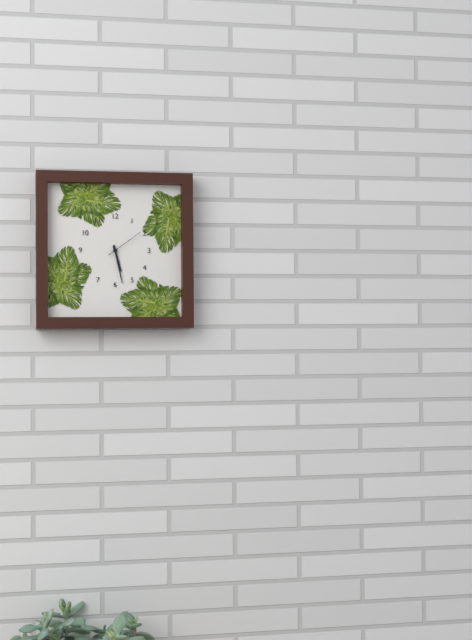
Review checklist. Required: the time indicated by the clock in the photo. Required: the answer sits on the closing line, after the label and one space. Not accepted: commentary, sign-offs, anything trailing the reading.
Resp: 5:28
